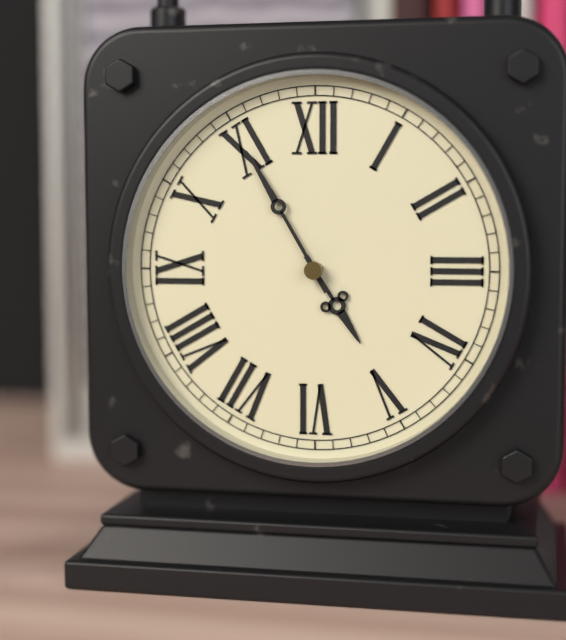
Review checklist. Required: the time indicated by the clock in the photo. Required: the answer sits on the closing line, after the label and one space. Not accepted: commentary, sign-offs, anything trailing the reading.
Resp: 4:55
